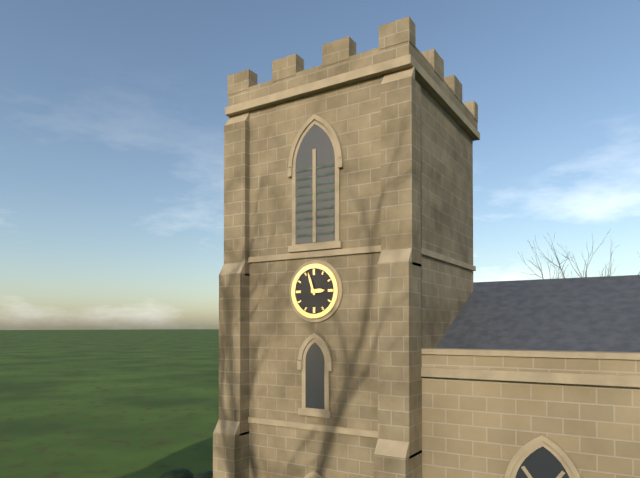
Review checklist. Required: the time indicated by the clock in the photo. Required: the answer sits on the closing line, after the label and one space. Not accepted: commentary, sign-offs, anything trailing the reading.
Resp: 2:57
